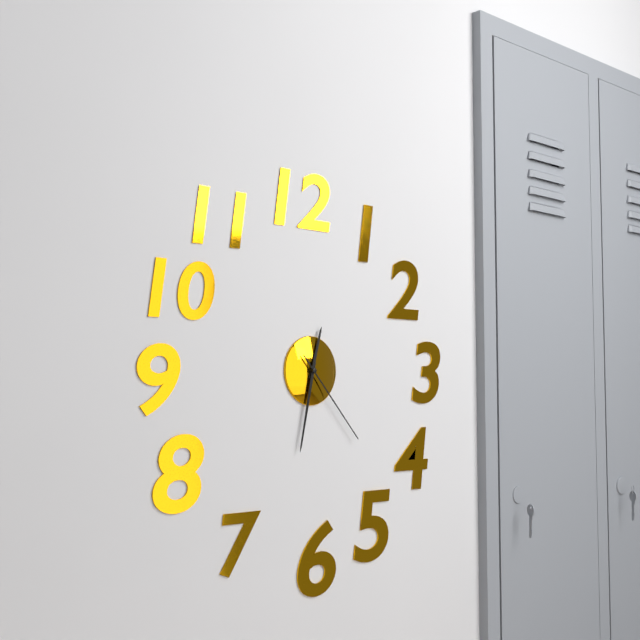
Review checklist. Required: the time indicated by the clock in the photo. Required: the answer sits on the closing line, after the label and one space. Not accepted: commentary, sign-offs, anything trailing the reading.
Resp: 12:32:23
